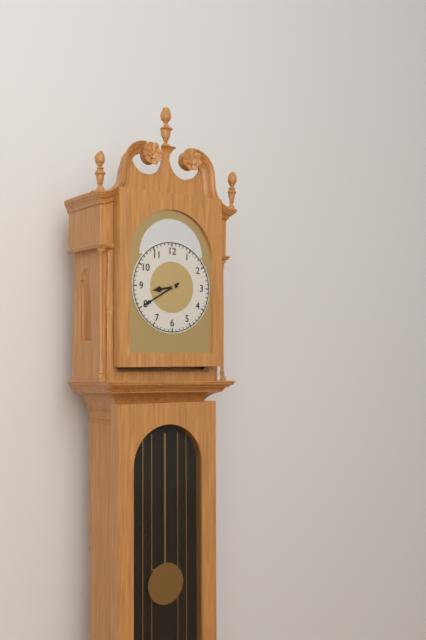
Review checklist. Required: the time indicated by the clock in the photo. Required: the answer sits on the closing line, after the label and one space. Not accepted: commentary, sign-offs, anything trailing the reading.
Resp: 8:40
